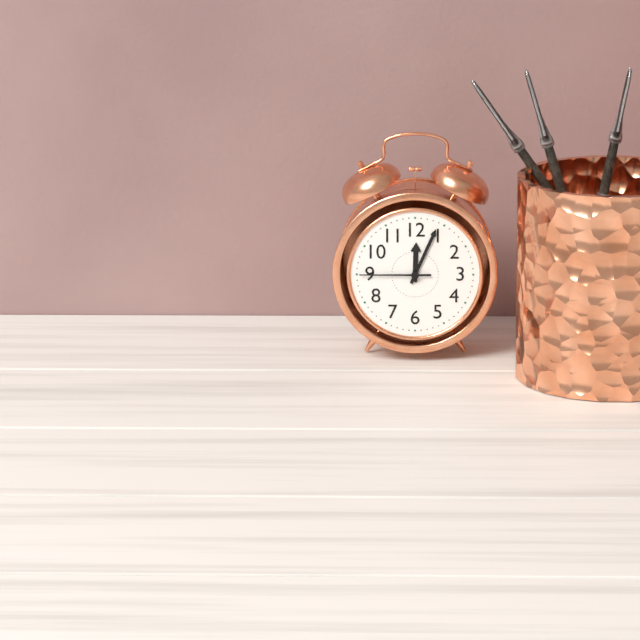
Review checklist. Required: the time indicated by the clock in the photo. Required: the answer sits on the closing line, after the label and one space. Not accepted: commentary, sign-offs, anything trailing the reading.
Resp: 12:04:45
